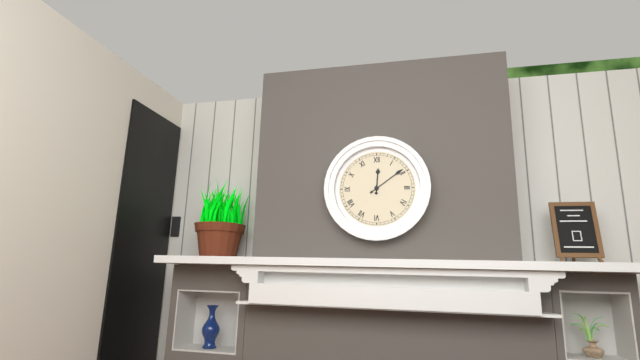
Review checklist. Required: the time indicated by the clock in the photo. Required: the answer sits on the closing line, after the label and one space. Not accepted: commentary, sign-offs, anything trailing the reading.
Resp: 12:09
